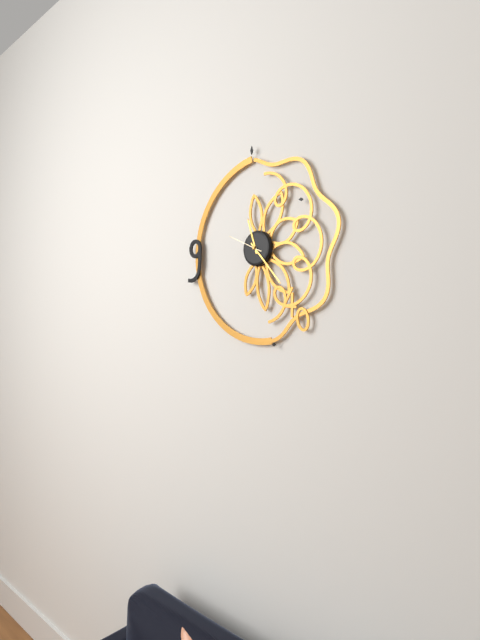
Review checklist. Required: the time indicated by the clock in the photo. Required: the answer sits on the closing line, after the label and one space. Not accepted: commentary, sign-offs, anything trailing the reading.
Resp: 11:23
